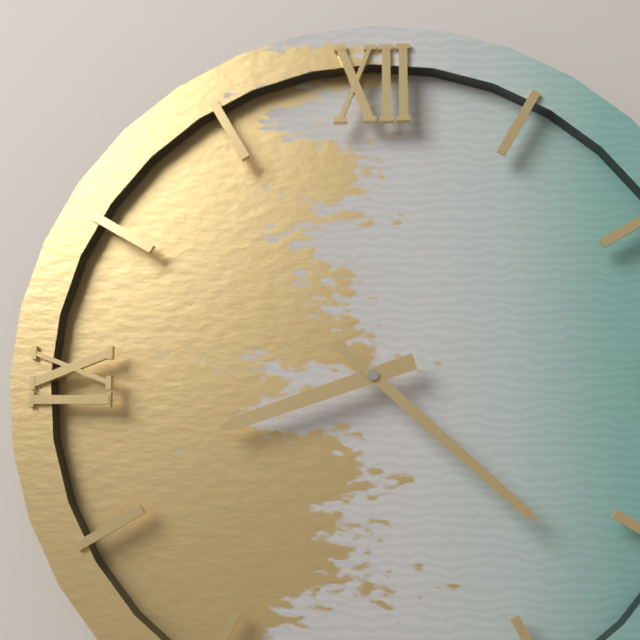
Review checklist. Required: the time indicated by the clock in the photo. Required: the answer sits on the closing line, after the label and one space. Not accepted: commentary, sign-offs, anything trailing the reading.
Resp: 8:22
